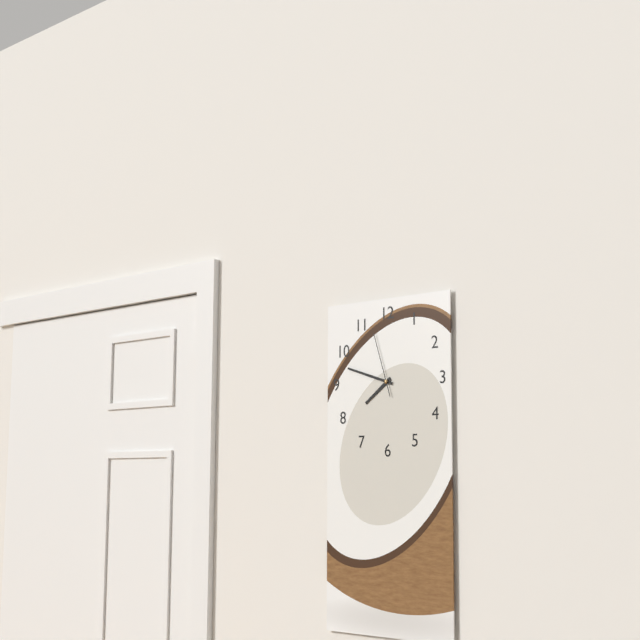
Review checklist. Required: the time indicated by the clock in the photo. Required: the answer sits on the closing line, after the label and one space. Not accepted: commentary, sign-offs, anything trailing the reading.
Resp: 7:48:57
